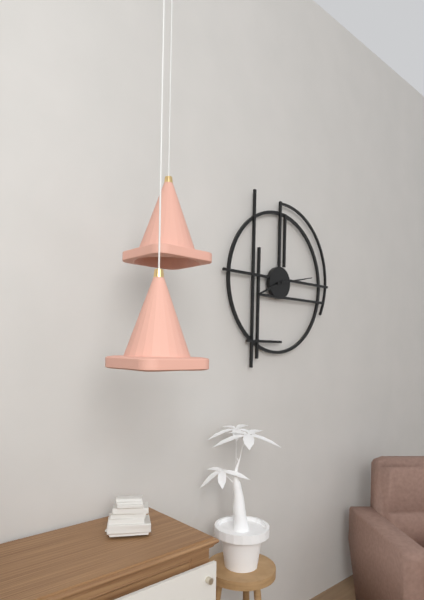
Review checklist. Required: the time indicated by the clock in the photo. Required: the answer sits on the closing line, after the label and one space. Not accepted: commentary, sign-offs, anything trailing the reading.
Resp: 8:13
